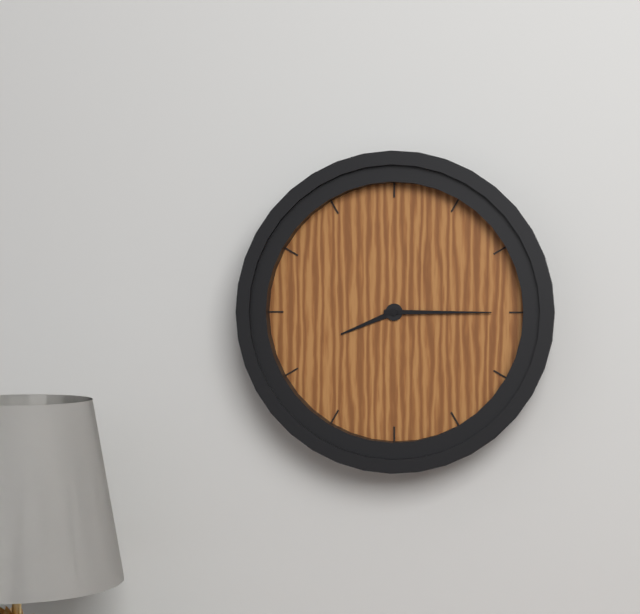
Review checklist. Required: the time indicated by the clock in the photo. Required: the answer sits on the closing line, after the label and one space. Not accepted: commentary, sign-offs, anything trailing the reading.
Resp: 8:15
